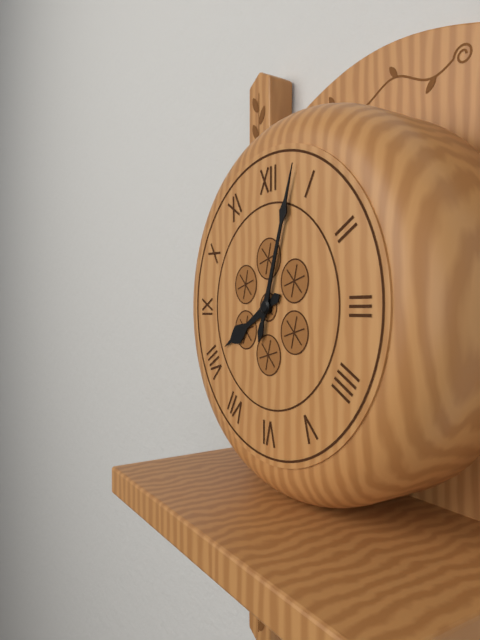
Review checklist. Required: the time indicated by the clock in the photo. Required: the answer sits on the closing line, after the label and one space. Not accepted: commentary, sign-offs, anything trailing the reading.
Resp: 8:03
